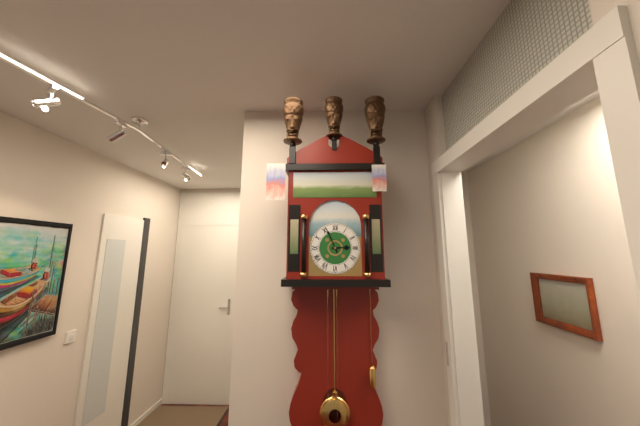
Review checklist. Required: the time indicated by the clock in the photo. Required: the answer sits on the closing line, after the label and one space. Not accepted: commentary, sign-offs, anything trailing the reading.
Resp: 2:56
